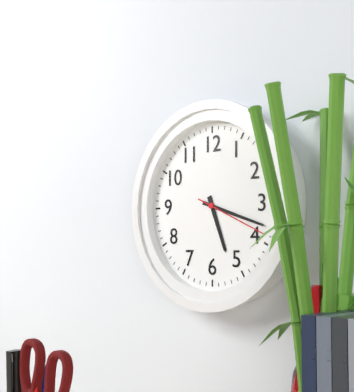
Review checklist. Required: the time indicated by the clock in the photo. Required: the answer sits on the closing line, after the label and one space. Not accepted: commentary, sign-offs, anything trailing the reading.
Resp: 5:18:19
